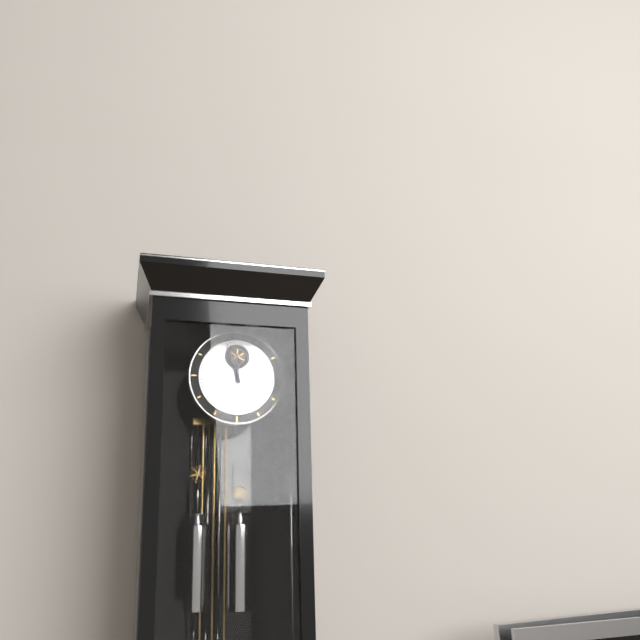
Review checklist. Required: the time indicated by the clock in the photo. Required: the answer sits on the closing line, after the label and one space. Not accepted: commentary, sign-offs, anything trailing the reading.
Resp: 11:57
